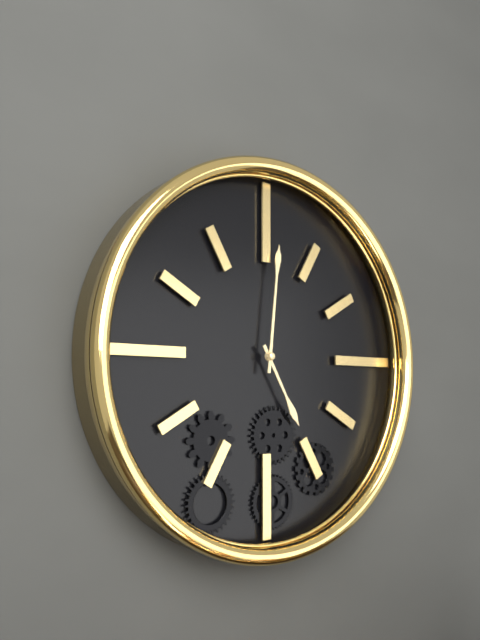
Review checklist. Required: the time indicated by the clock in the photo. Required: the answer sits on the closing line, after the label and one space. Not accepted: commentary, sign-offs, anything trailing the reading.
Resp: 5:01
